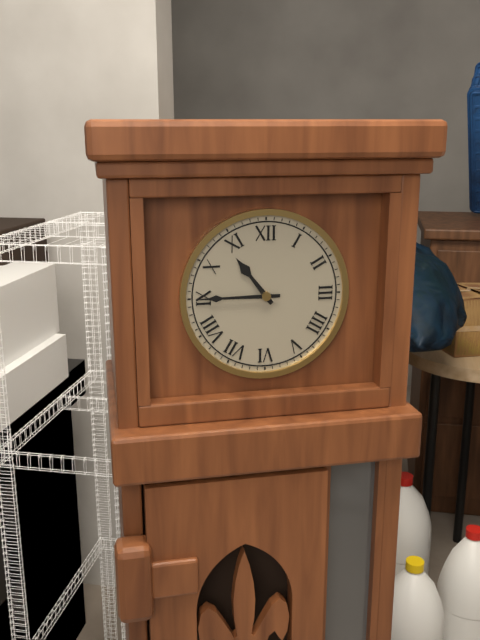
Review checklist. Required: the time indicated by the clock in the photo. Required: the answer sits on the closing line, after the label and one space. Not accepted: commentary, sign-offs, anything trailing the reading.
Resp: 10:45
